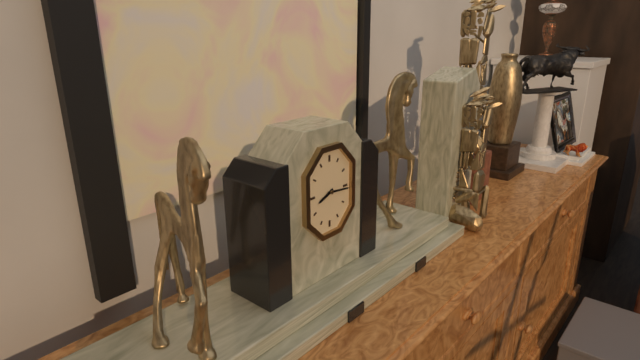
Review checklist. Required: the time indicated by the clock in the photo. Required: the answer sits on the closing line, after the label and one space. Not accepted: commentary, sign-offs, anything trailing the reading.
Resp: 8:16
